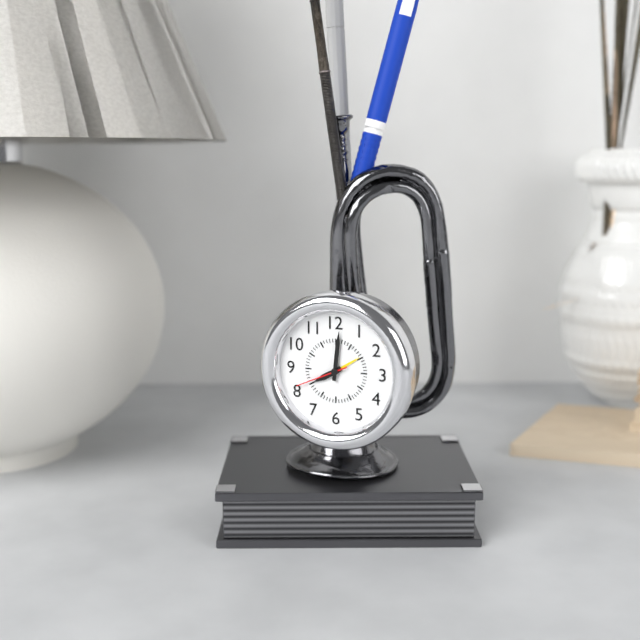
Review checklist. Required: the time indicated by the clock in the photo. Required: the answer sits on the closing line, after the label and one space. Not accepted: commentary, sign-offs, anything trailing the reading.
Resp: 8:01:41
